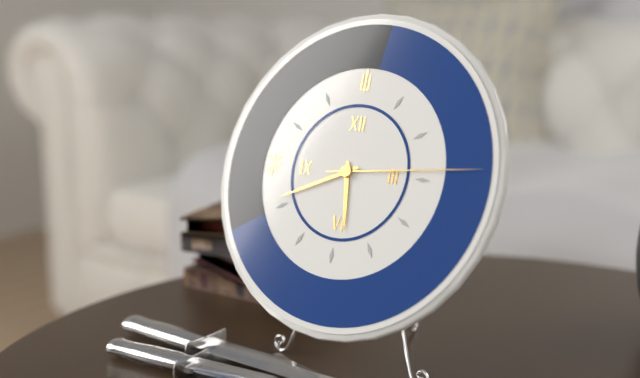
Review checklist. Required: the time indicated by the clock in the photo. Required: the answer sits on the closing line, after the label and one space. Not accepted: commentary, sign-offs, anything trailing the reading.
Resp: 5:41:14
